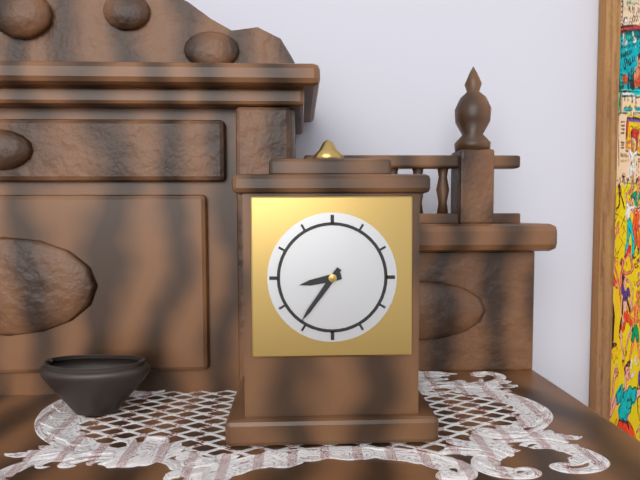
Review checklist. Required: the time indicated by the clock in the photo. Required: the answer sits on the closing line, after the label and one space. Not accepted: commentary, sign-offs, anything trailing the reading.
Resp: 8:36
